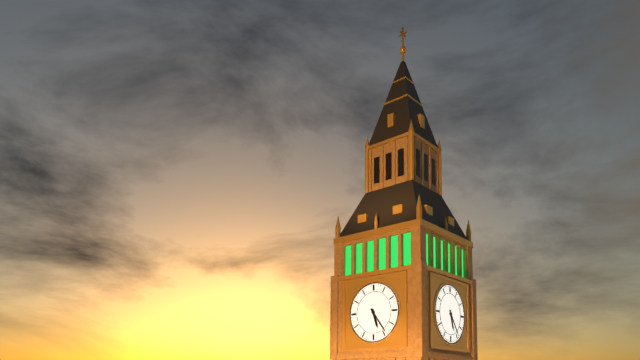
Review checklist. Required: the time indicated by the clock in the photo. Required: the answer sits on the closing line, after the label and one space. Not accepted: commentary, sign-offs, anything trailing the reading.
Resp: 5:24
